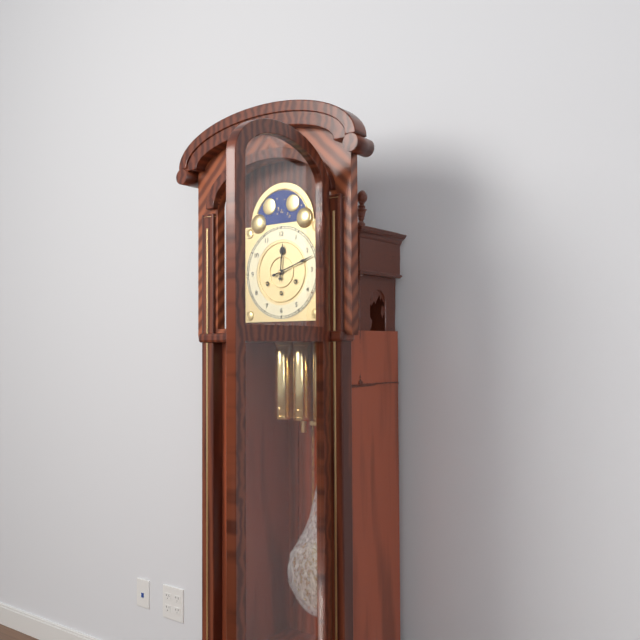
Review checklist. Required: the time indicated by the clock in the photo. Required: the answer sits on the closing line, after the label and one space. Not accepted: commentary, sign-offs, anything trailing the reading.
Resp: 12:12
